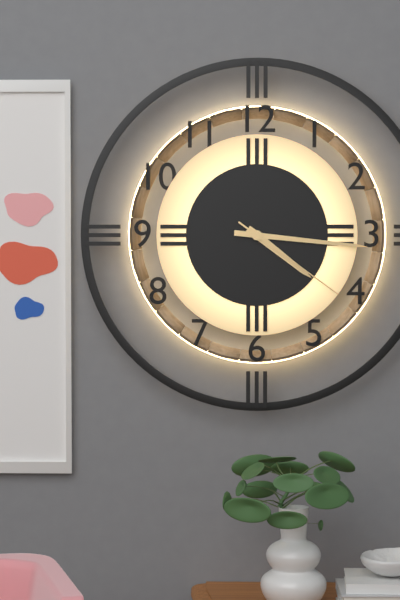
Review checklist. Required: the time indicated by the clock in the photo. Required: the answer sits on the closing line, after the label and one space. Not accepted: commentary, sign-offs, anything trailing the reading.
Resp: 4:16:21
